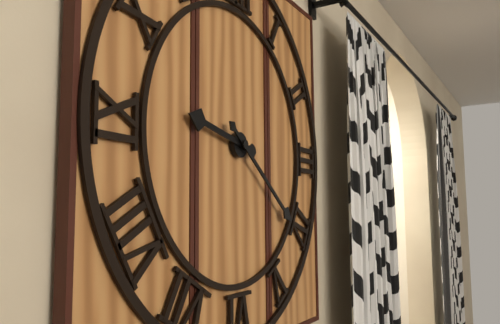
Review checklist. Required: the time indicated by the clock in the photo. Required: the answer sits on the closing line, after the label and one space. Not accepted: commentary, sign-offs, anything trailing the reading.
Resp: 9:21
